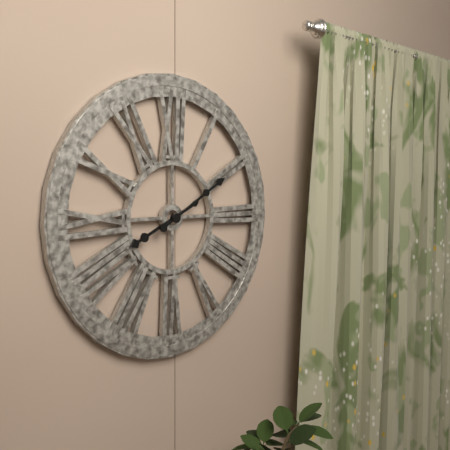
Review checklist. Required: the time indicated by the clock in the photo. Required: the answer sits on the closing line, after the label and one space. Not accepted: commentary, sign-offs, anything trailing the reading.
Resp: 8:10
